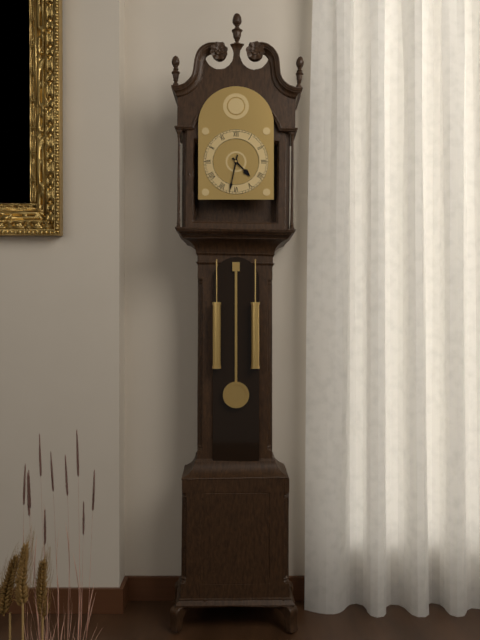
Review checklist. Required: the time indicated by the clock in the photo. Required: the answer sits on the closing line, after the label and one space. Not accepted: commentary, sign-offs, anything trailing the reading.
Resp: 4:32
